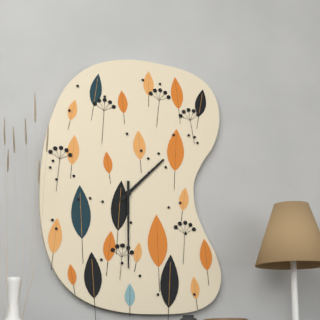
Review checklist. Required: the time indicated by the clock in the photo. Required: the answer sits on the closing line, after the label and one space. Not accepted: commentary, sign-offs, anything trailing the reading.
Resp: 1:30
